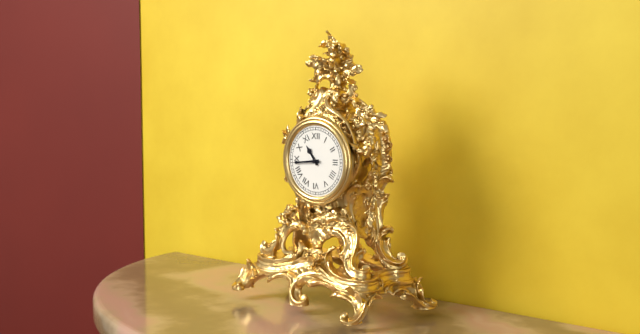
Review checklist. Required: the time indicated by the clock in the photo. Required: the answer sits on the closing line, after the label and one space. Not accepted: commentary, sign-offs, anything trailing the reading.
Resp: 10:44
